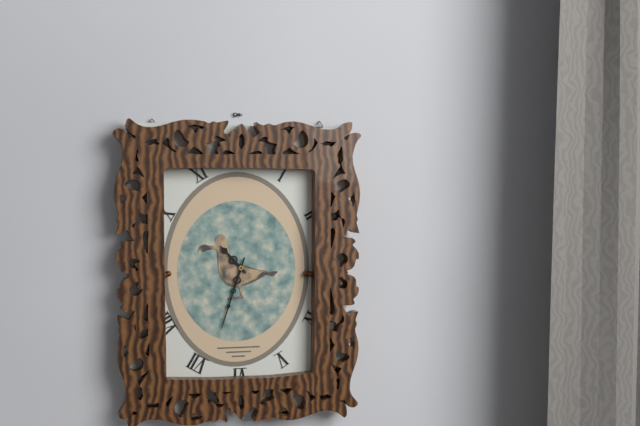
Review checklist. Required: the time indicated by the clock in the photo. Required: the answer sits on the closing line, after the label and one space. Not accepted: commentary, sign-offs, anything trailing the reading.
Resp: 10:33
